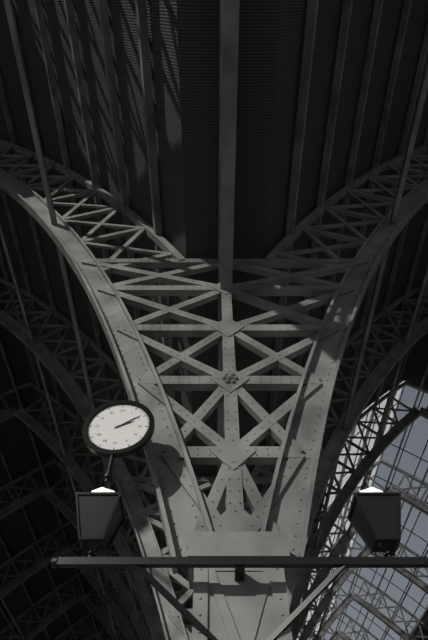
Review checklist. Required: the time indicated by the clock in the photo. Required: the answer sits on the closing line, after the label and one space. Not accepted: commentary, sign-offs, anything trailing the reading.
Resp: 2:09
